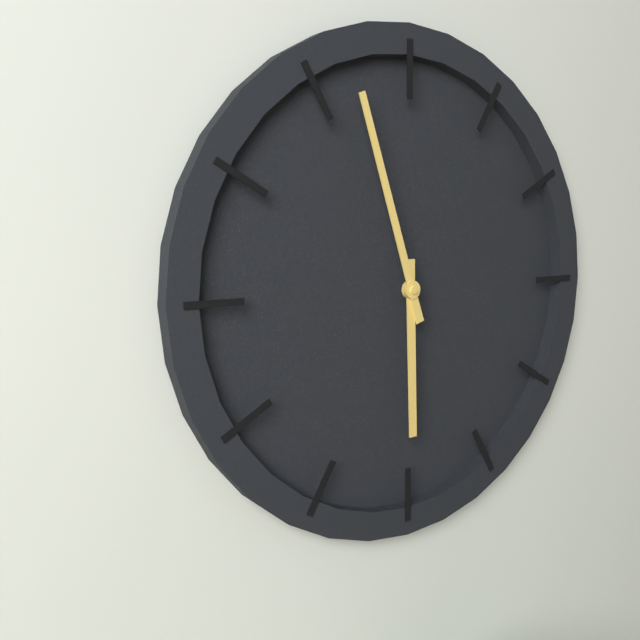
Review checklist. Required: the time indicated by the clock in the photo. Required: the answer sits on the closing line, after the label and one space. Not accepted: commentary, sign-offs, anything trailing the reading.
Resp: 5:57
